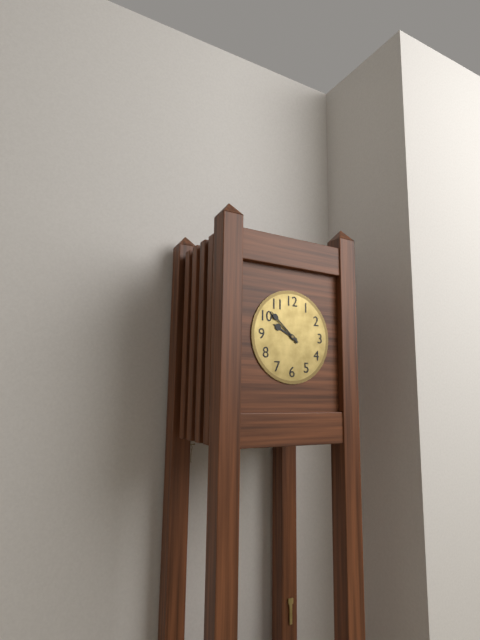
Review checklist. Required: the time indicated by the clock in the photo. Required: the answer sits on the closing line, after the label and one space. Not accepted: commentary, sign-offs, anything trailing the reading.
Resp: 9:52
